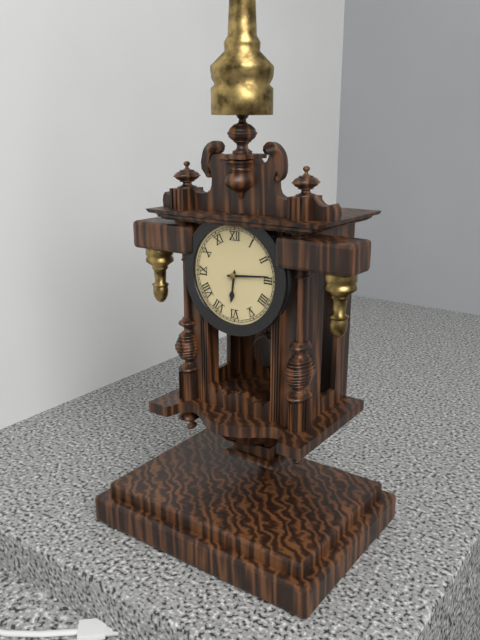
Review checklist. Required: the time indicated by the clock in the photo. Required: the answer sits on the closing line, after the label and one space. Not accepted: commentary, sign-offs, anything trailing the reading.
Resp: 6:14
